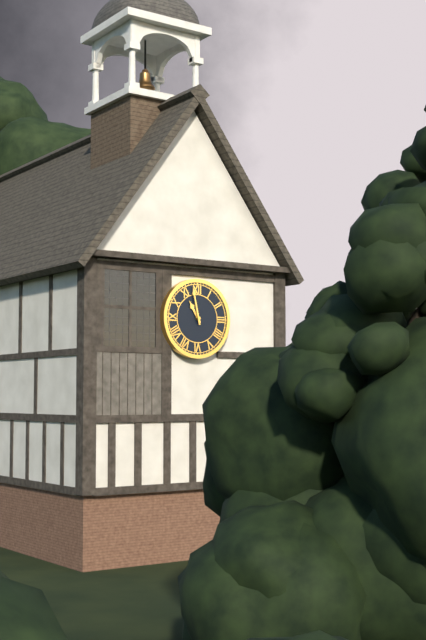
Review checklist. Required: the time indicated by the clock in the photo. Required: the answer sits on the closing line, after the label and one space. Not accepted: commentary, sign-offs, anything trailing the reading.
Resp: 10:58
